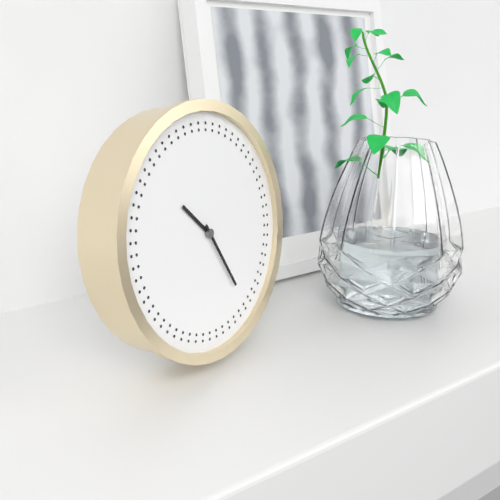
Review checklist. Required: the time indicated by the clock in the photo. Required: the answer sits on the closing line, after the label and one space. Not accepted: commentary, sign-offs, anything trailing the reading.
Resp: 10:25
